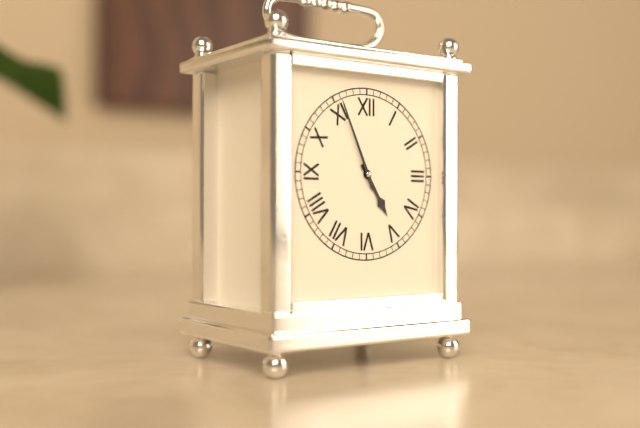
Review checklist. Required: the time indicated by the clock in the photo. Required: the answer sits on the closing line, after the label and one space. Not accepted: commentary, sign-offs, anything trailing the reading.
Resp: 4:56
